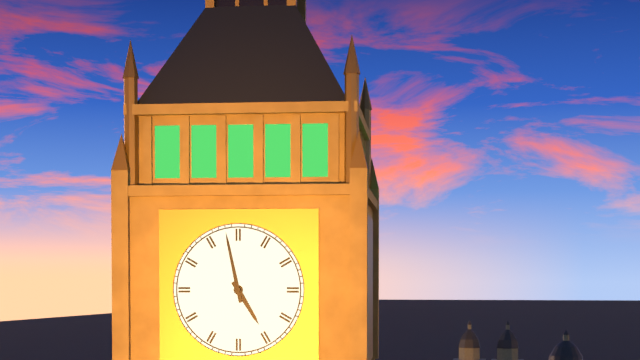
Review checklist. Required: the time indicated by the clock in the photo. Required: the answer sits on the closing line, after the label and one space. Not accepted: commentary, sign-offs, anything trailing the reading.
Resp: 4:58
